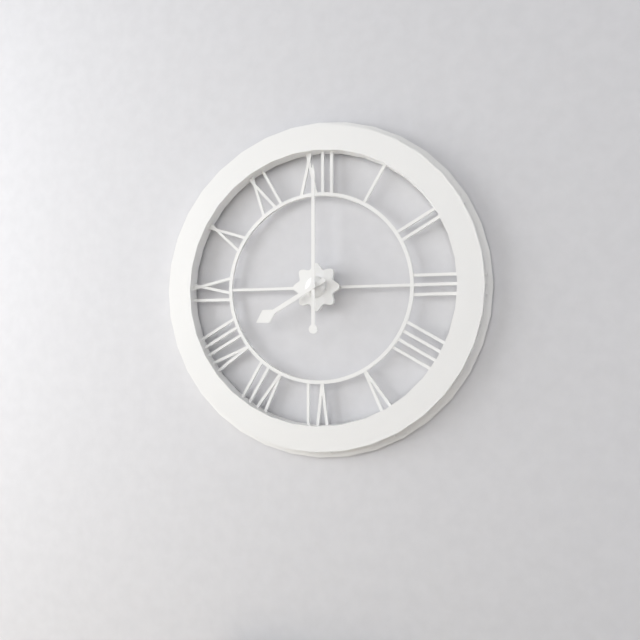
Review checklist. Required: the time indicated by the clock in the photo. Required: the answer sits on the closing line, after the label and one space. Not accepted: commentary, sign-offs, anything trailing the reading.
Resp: 8:00
